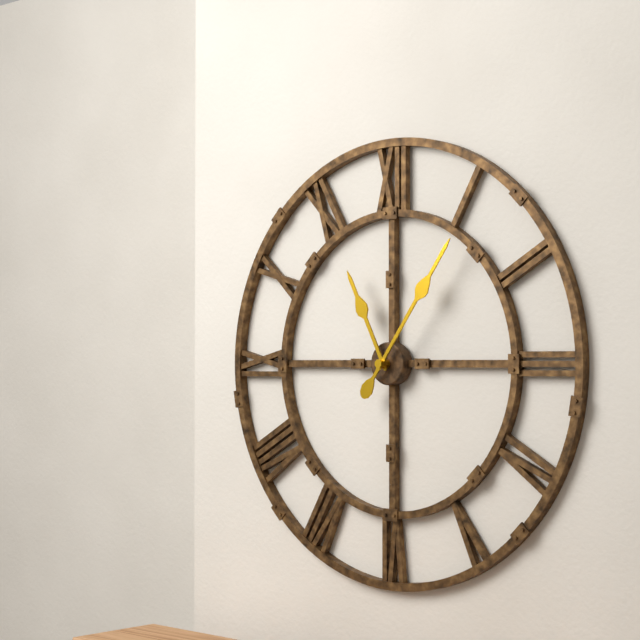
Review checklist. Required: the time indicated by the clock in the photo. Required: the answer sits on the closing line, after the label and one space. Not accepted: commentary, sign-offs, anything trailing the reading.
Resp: 11:06
